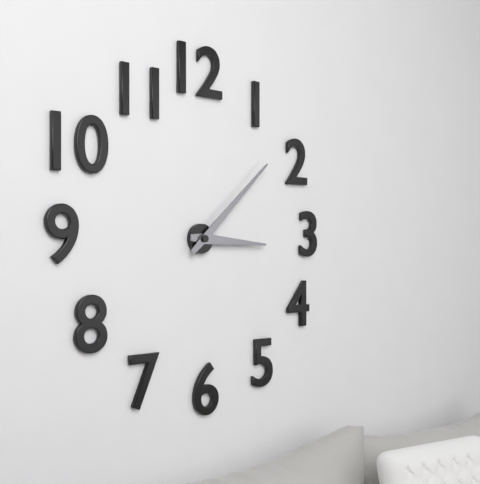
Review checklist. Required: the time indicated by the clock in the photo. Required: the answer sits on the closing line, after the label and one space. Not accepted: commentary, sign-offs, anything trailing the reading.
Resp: 3:08
